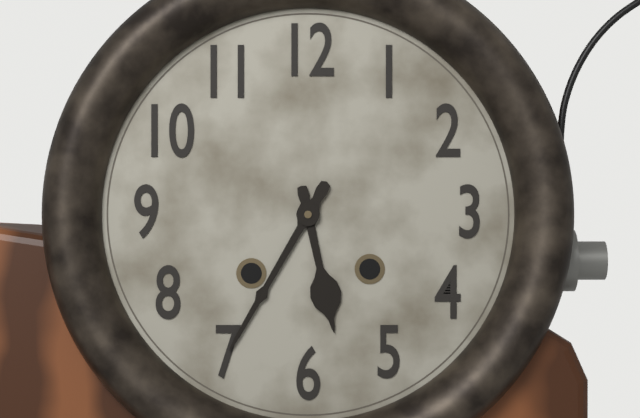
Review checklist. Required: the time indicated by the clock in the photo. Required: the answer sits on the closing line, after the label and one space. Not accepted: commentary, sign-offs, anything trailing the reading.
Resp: 5:35
